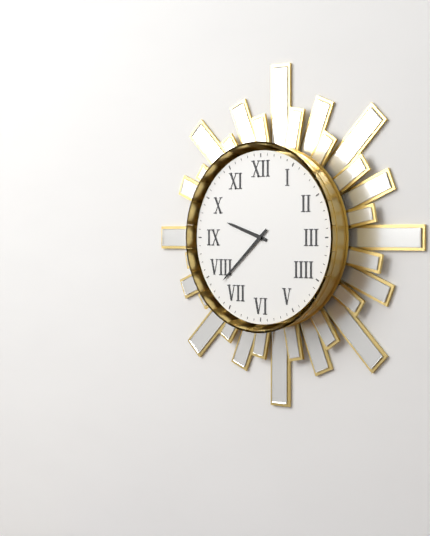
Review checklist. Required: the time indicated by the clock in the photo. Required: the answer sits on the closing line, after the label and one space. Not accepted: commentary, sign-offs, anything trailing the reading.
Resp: 9:38
